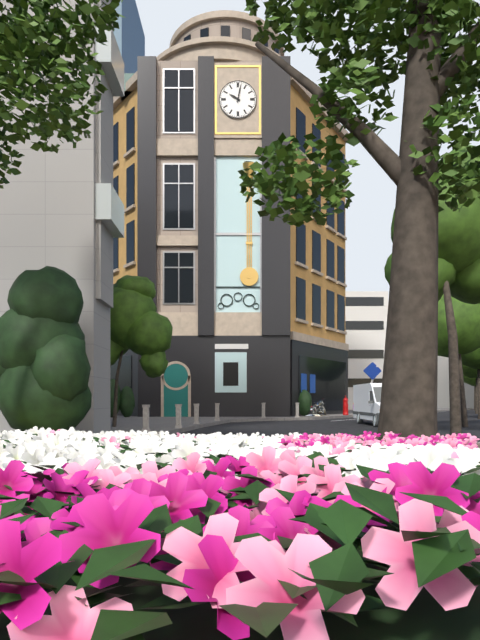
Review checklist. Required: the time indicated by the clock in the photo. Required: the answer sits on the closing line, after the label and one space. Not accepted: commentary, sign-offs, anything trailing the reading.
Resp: 10:02
